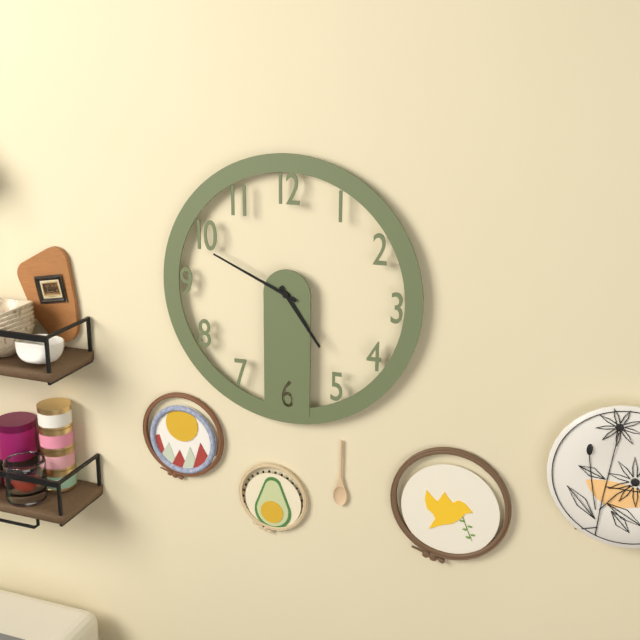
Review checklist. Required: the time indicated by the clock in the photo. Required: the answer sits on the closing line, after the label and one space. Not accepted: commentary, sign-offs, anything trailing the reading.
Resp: 4:49
